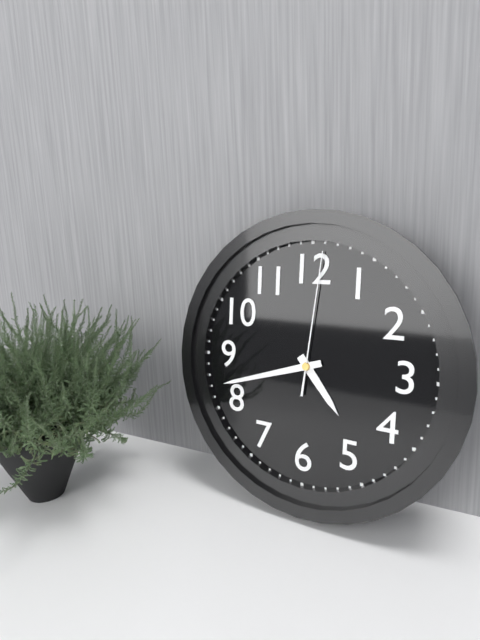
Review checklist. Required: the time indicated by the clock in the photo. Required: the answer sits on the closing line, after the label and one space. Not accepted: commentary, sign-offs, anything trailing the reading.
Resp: 4:42:01
